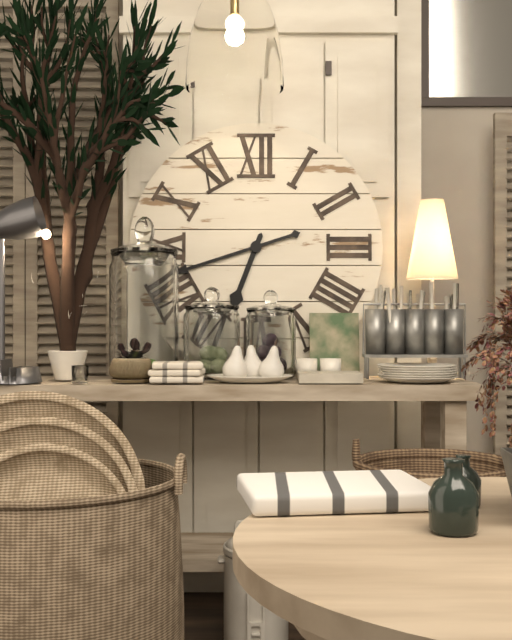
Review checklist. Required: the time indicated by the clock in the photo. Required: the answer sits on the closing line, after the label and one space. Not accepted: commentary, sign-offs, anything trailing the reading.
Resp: 6:42
